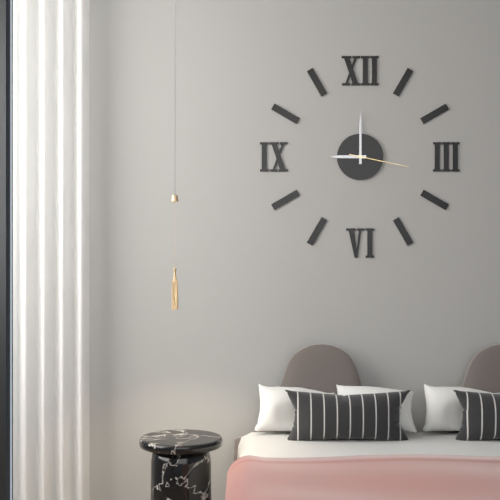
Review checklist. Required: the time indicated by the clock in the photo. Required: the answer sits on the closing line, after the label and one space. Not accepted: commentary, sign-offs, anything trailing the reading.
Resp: 9:00:17
